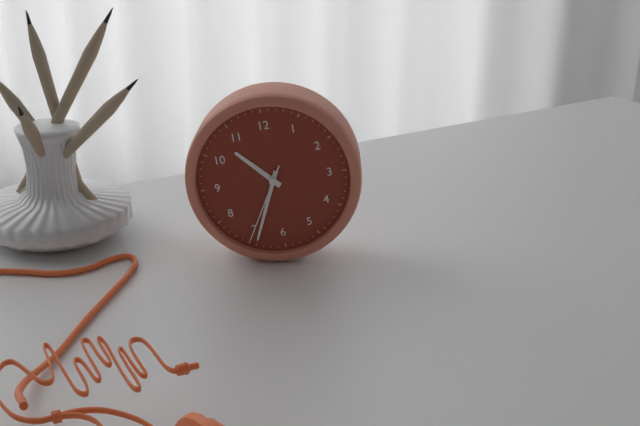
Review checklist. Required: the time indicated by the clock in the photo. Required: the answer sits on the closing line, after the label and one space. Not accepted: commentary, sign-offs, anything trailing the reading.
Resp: 10:34:35
